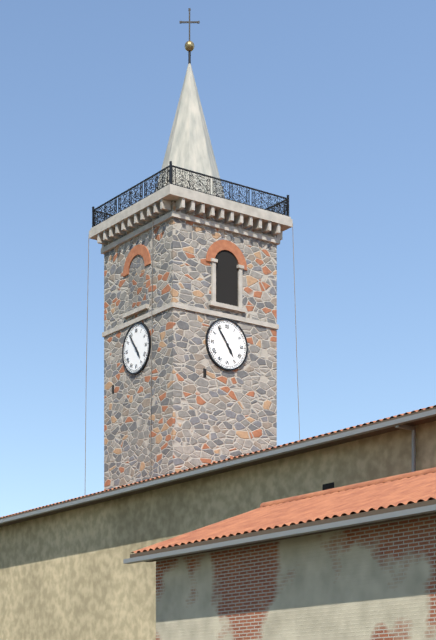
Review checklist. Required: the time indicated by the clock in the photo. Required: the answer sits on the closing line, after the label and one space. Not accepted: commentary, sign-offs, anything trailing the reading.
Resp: 4:54
